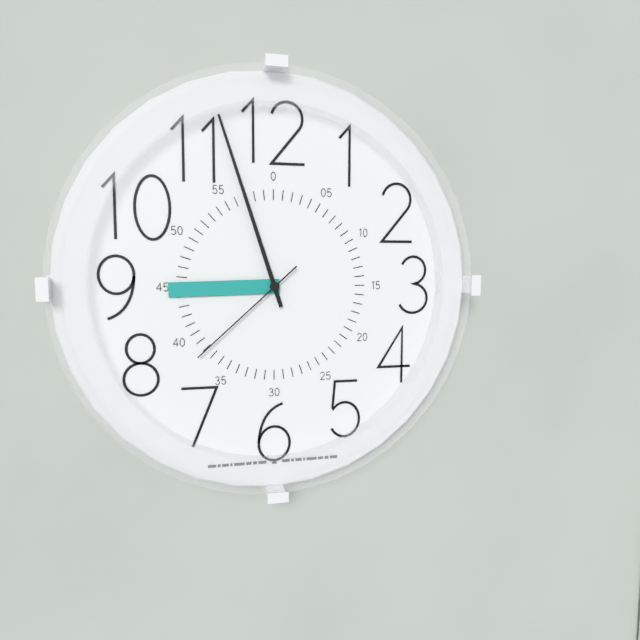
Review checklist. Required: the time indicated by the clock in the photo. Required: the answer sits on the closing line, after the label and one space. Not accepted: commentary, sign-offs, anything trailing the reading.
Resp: 8:57:38
